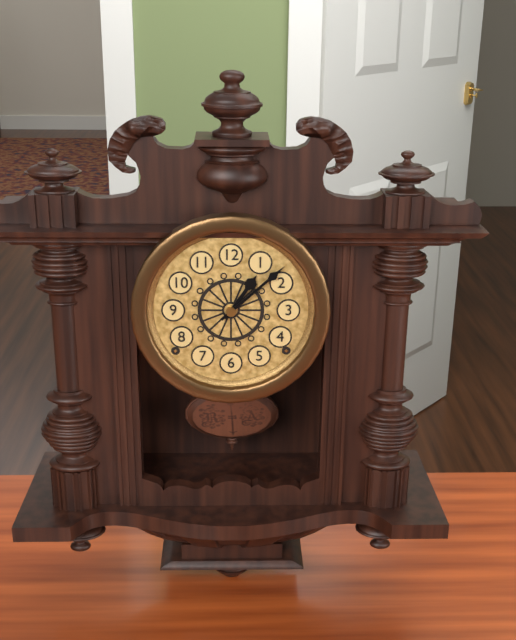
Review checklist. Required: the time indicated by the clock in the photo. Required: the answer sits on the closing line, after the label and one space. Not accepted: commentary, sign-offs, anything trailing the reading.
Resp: 1:08
